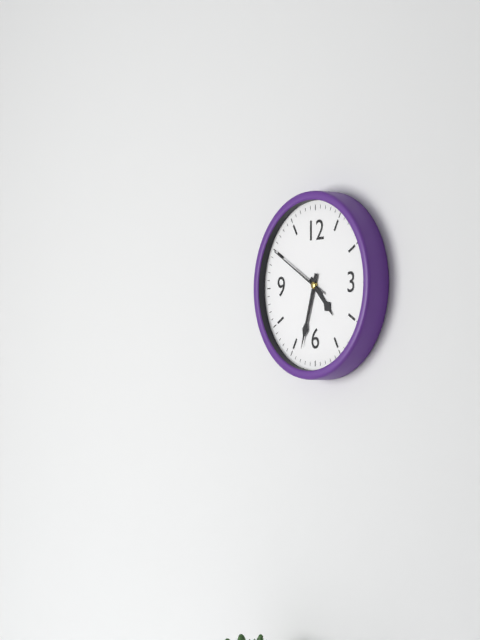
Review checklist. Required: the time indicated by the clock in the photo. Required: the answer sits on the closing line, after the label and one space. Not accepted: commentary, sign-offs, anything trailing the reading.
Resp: 4:33:50
